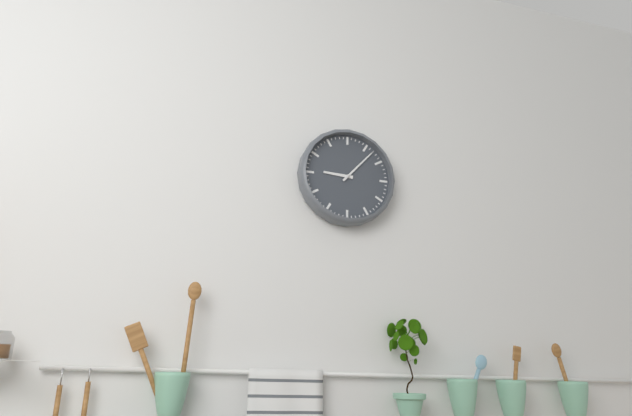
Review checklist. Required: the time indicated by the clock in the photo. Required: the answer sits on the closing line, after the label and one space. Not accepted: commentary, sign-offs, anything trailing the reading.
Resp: 9:07
